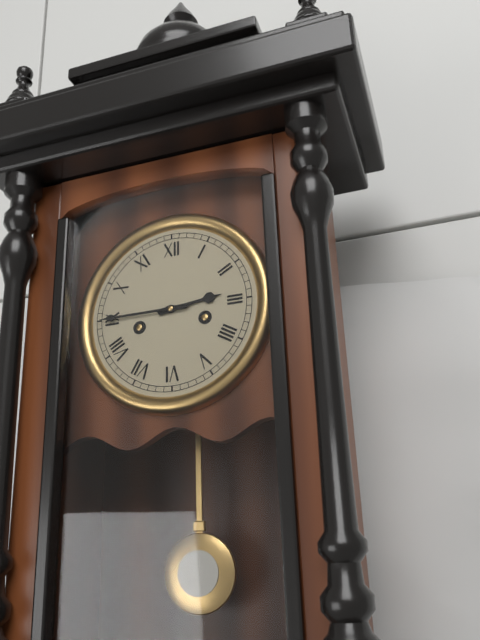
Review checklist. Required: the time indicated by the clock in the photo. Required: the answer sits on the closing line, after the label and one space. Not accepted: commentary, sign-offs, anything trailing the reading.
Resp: 2:45
